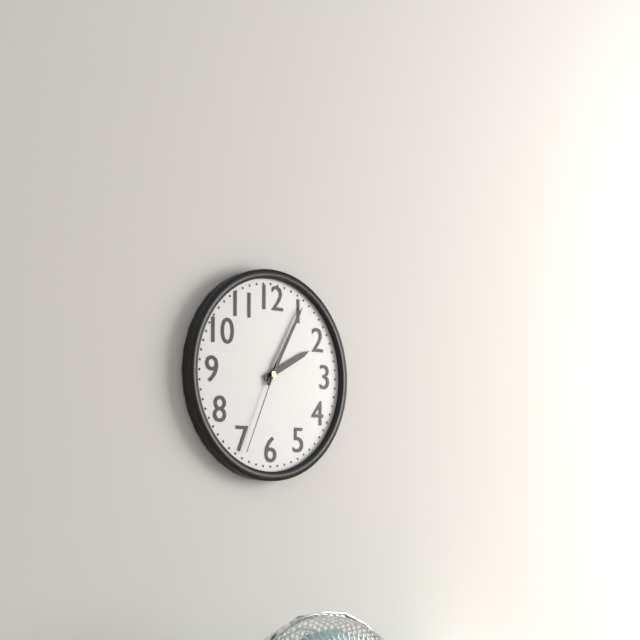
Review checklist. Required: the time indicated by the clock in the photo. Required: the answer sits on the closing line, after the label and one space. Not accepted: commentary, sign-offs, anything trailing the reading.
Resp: 2:05:34
